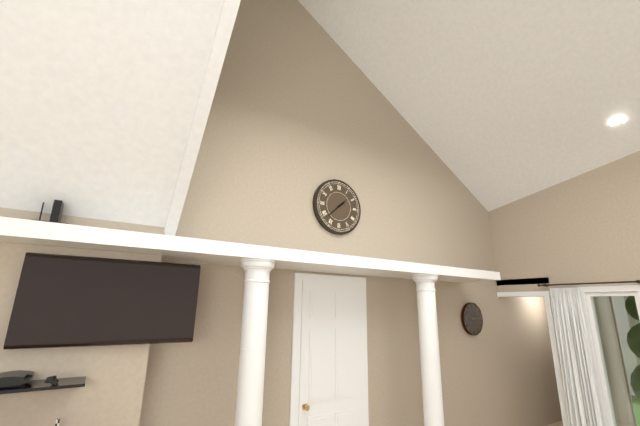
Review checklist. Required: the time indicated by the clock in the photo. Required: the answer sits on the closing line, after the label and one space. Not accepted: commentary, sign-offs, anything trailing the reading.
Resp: 1:38
